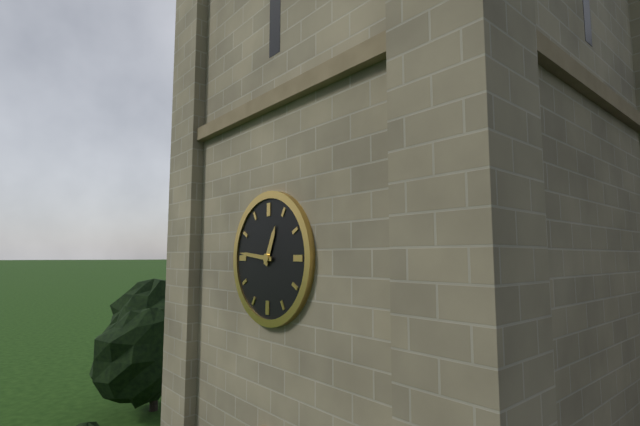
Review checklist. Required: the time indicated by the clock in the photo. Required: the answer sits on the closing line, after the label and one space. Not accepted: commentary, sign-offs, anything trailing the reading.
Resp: 12:46
